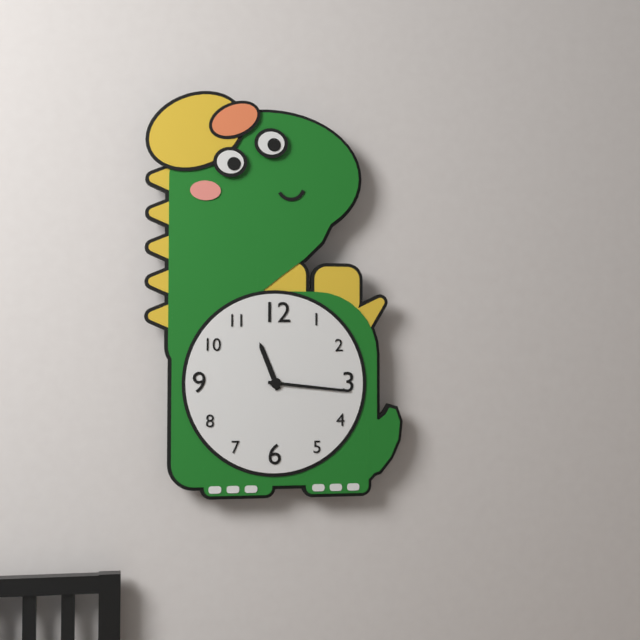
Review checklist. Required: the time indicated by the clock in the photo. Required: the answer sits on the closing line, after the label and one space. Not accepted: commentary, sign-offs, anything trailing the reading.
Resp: 11:16
